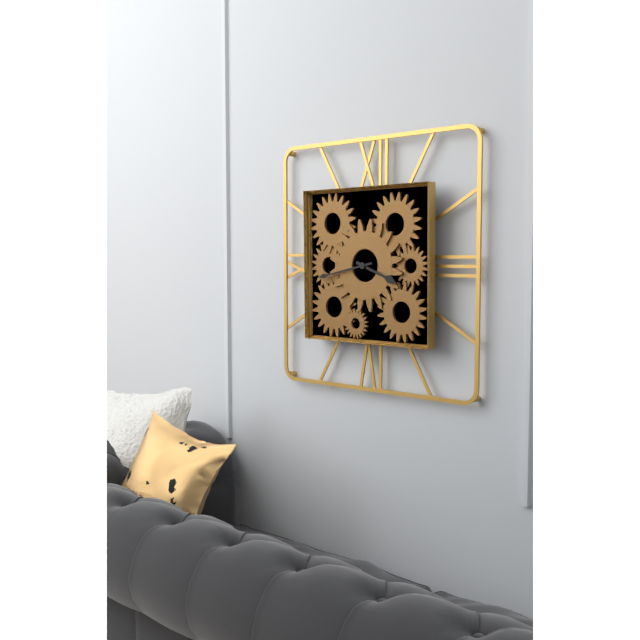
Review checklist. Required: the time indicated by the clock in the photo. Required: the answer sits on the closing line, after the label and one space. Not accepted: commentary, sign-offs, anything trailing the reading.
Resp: 3:43
